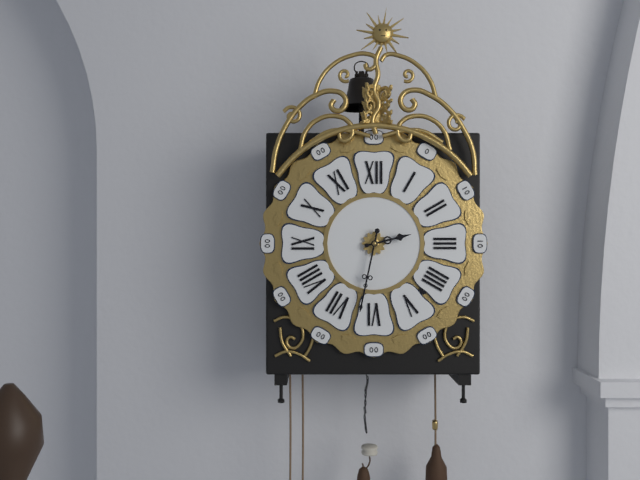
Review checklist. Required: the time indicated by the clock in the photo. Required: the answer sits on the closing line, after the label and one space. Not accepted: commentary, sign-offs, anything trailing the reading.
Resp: 2:32
